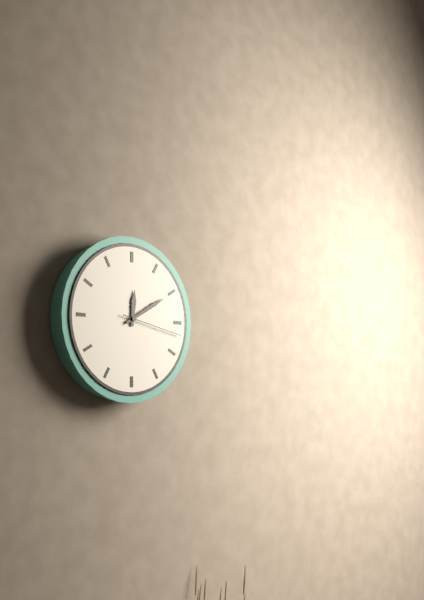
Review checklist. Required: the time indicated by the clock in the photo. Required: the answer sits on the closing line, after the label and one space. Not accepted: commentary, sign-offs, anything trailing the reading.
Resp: 12:10:17
